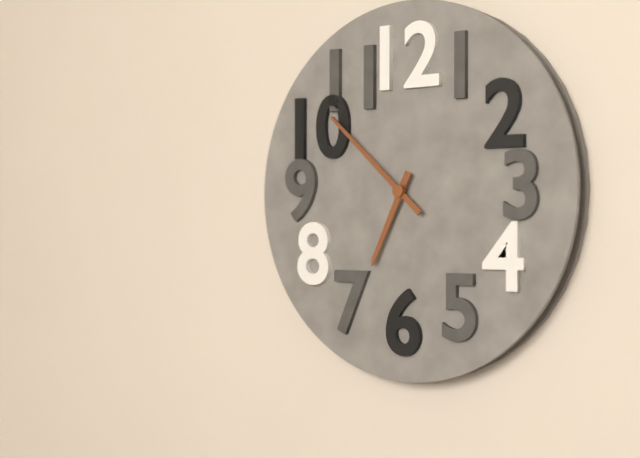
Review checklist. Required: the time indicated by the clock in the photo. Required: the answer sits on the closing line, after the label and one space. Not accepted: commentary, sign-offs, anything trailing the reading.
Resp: 6:52
